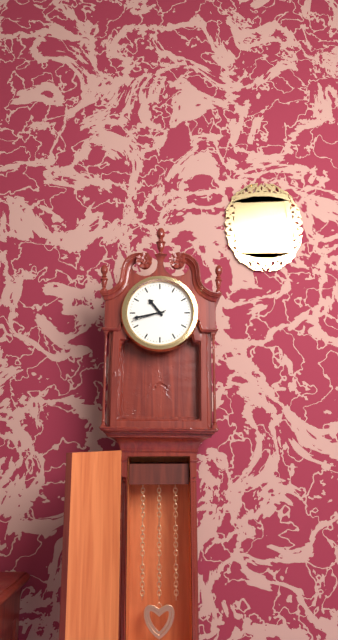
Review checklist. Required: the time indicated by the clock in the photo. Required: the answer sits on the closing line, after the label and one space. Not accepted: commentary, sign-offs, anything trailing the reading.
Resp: 10:43
